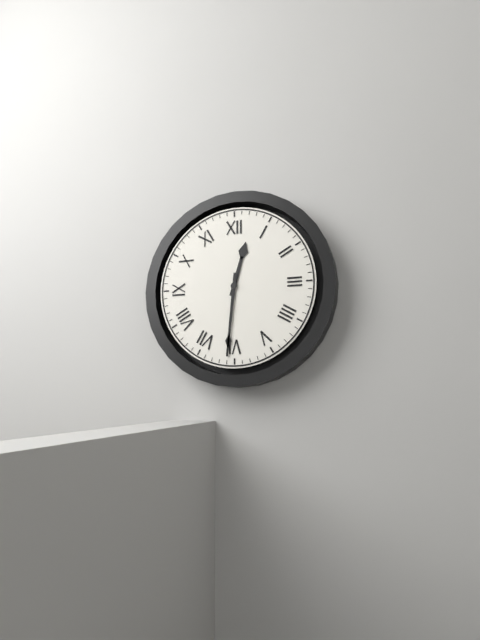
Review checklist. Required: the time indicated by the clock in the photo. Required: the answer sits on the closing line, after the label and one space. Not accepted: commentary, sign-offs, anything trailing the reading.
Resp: 12:31
